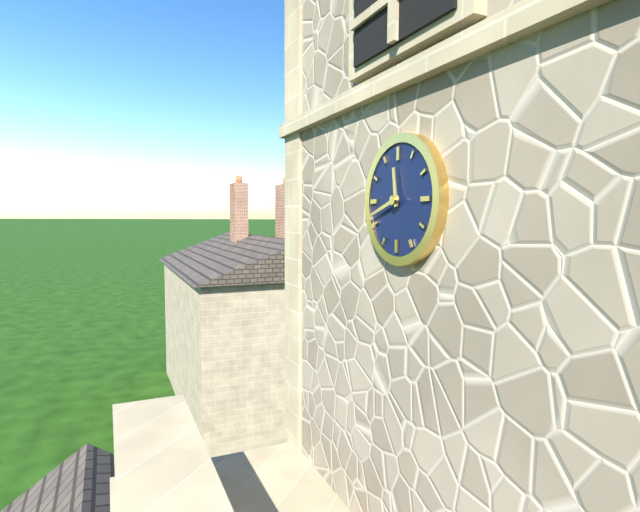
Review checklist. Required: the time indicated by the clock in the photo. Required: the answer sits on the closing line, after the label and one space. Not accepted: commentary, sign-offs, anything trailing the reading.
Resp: 11:42
